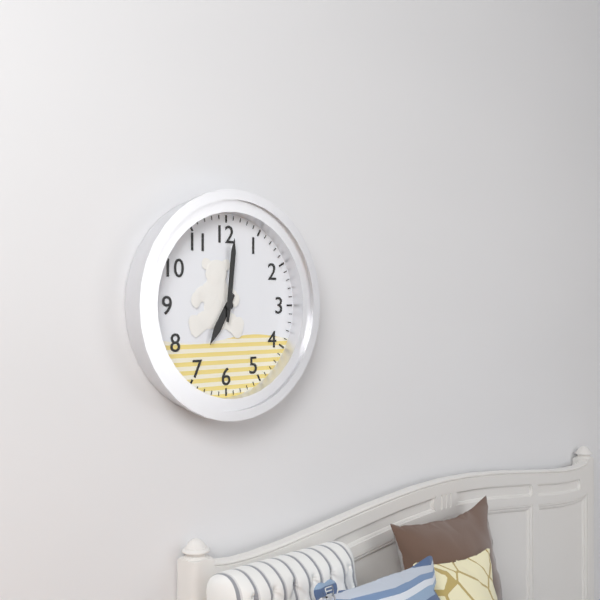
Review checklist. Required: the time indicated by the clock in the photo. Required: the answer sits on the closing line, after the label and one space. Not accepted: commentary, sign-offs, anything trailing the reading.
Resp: 7:01
